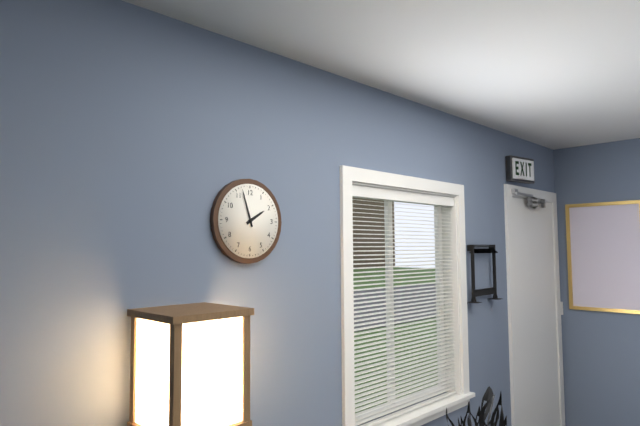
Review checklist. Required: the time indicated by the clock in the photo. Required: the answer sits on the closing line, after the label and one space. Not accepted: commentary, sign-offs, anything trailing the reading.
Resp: 1:57
